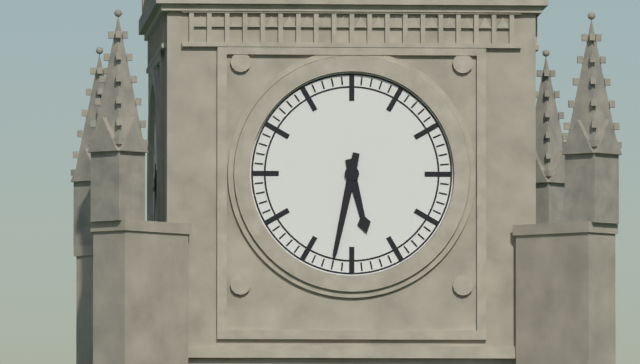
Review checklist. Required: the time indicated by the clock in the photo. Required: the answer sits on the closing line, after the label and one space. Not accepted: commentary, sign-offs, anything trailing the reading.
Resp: 5:32
